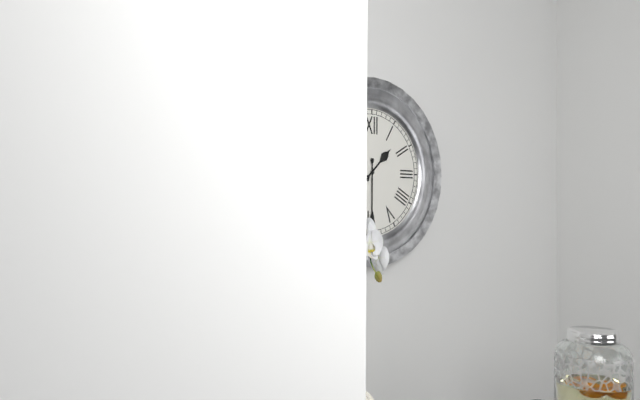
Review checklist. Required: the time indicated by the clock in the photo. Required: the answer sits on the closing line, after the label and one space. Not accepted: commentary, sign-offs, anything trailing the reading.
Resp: 1:30
